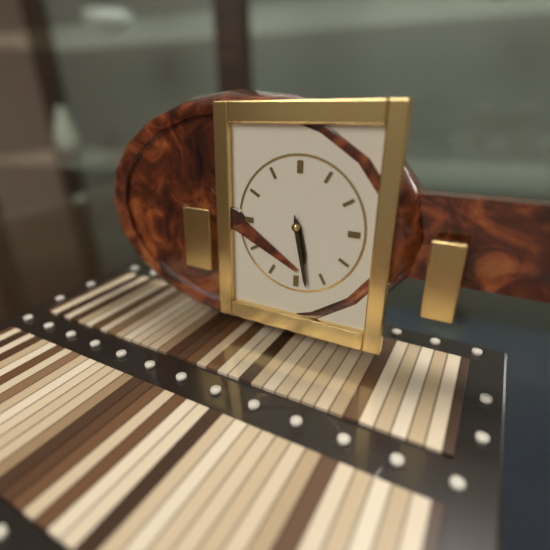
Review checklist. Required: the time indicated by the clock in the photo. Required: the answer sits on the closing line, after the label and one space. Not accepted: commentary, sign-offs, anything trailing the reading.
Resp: 5:28
